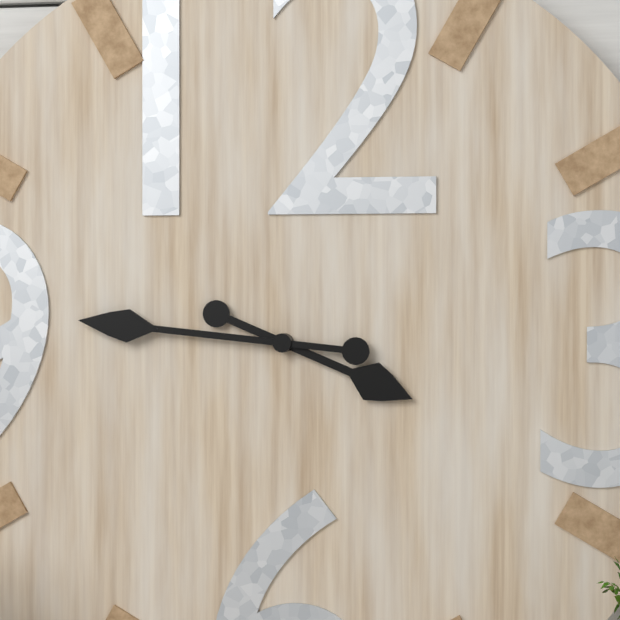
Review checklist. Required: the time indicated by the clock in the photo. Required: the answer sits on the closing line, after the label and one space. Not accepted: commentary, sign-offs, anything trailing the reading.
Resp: 3:46
